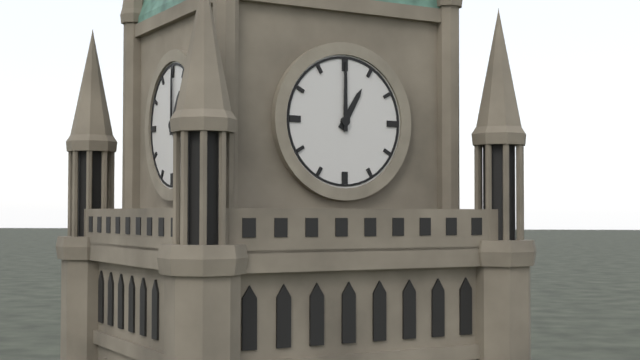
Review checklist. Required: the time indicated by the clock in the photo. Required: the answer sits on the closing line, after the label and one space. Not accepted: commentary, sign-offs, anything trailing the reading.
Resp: 1:00
